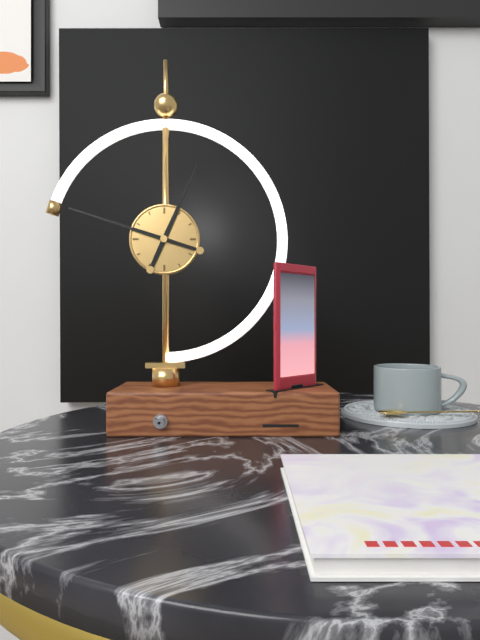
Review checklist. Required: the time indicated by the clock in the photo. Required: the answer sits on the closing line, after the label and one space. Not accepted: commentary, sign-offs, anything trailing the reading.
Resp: 12:48
